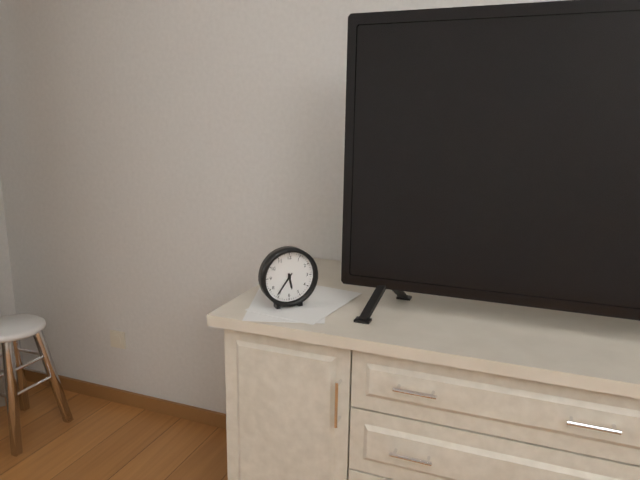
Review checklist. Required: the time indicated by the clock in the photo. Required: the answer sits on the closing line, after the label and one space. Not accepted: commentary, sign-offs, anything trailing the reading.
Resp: 5:36
